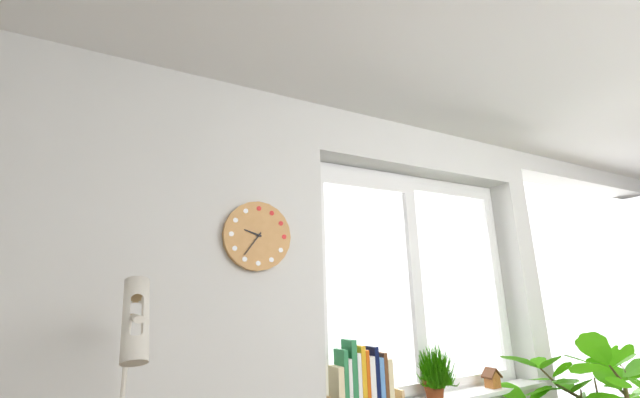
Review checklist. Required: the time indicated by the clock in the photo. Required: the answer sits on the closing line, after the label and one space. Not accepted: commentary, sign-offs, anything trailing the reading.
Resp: 9:36
